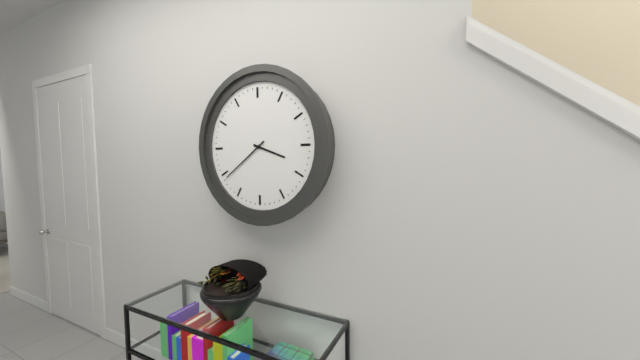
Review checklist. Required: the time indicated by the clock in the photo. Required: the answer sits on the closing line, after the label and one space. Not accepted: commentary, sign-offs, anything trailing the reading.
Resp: 3:39
